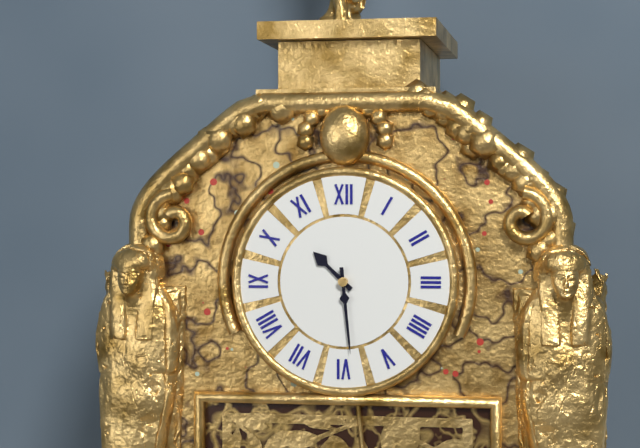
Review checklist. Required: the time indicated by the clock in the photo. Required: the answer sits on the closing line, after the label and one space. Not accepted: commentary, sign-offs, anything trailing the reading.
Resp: 10:29
